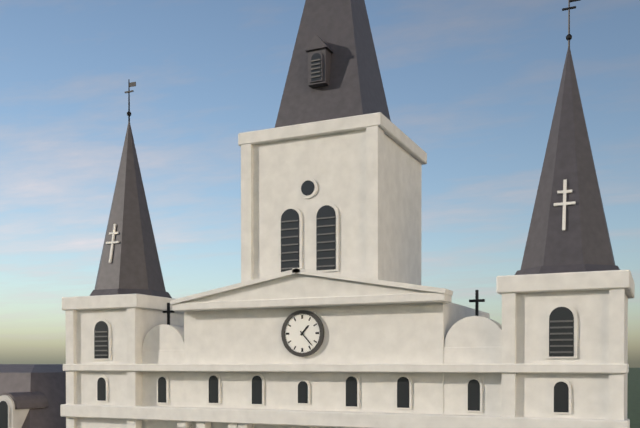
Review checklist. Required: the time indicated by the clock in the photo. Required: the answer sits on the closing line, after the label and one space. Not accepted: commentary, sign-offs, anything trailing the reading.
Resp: 1:23
